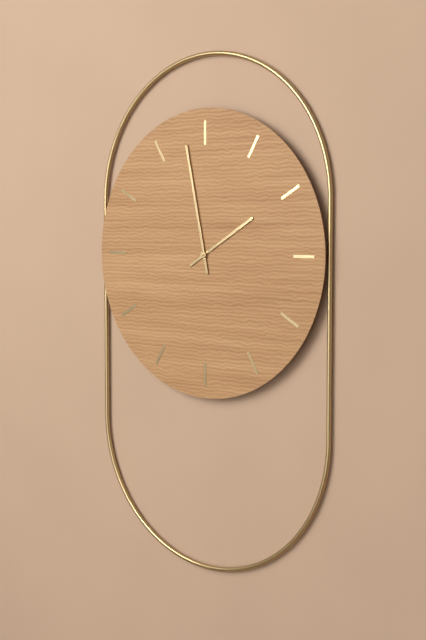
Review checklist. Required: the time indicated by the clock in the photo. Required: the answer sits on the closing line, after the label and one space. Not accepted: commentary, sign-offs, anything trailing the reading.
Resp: 1:58
